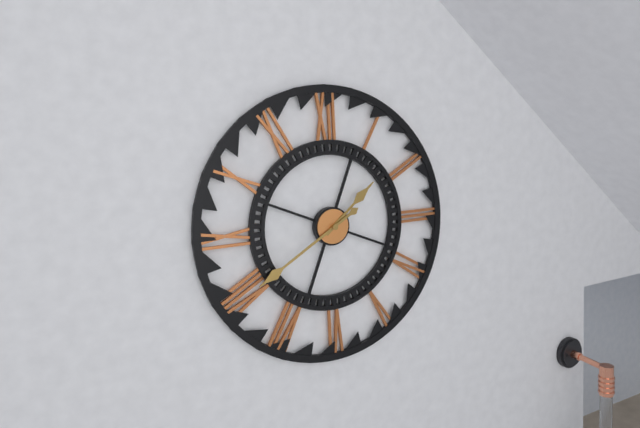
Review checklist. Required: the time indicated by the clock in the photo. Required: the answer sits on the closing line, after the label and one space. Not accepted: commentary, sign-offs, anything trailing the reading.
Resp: 1:40
